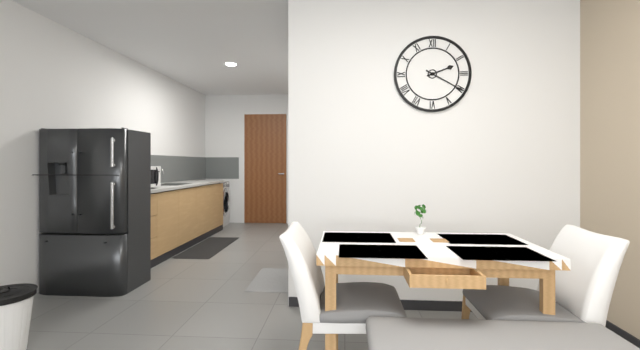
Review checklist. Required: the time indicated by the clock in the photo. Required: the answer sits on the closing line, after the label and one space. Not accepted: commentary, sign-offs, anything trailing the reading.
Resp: 2:20
